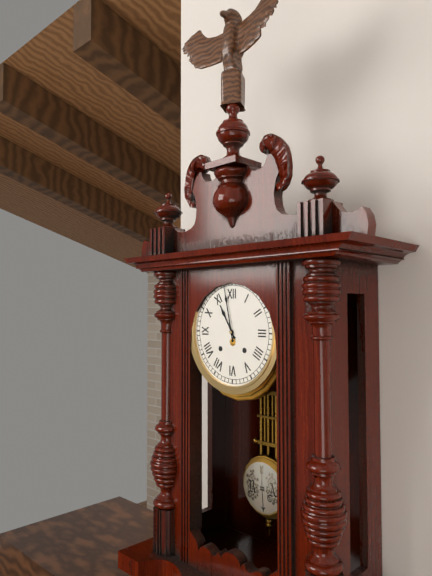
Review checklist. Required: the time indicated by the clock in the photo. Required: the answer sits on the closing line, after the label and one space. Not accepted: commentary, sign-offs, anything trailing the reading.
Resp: 10:58
